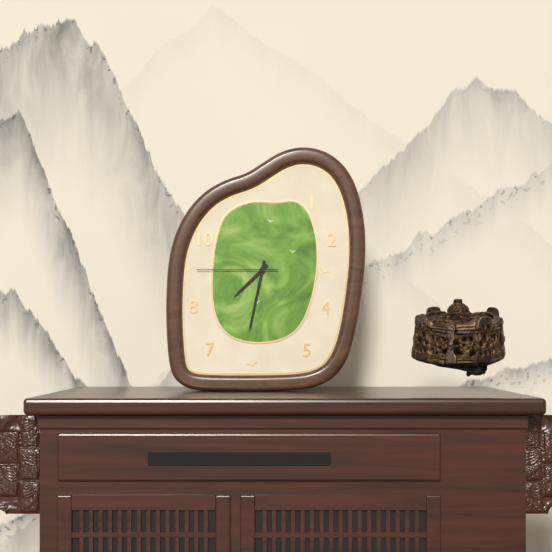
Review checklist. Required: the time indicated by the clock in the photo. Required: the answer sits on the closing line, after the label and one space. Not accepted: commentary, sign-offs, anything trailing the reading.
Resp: 7:32:45
